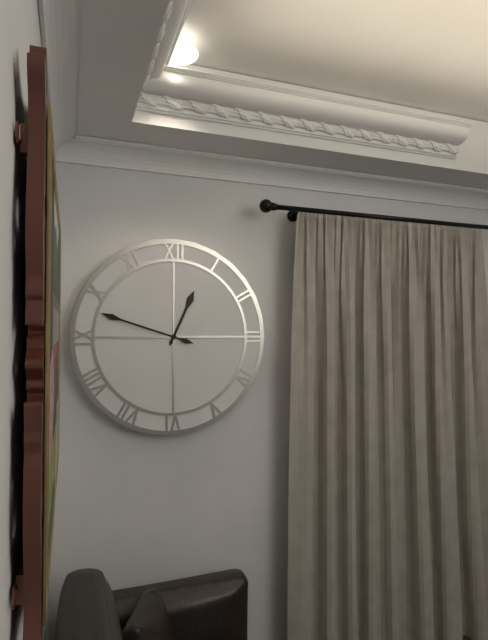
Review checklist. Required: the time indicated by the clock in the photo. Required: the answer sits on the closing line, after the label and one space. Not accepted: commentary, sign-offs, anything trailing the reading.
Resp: 12:48
